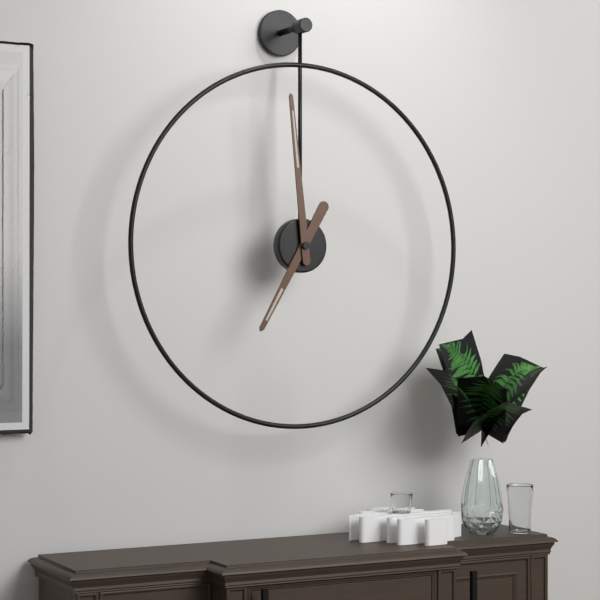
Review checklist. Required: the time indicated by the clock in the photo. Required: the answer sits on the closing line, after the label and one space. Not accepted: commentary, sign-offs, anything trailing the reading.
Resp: 6:59
